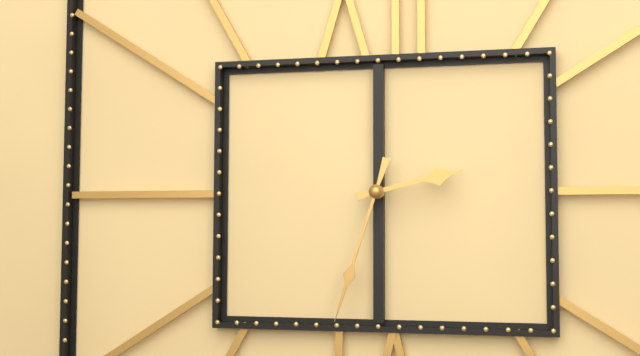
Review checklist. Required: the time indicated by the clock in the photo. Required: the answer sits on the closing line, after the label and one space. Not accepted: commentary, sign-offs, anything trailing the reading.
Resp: 2:33
